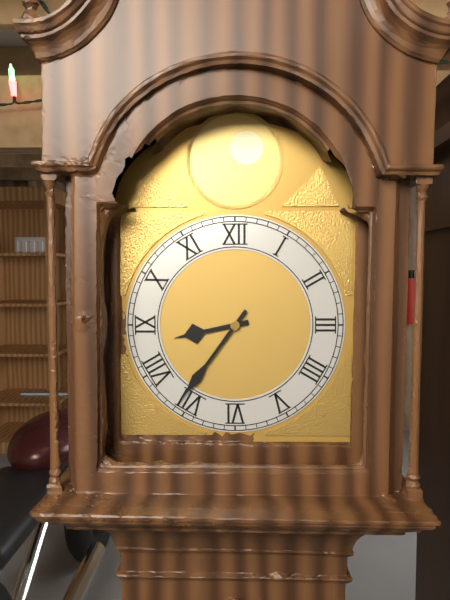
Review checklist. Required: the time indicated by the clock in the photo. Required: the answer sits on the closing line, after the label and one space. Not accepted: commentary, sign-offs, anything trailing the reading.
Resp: 8:36
